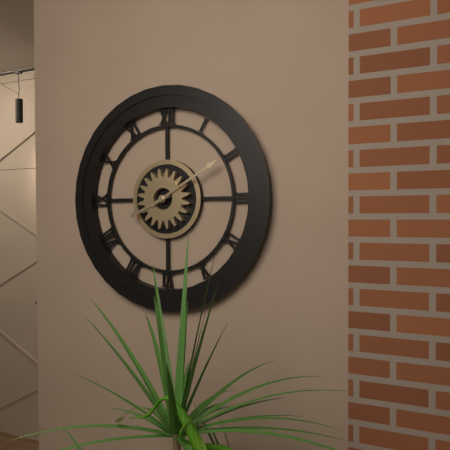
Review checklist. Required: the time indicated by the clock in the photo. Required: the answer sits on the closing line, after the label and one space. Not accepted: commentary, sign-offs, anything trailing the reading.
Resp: 8:10
